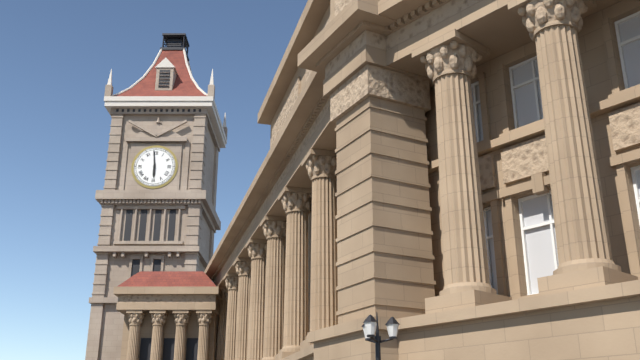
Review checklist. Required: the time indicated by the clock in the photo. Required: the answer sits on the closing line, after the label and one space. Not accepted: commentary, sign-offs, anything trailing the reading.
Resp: 5:59
